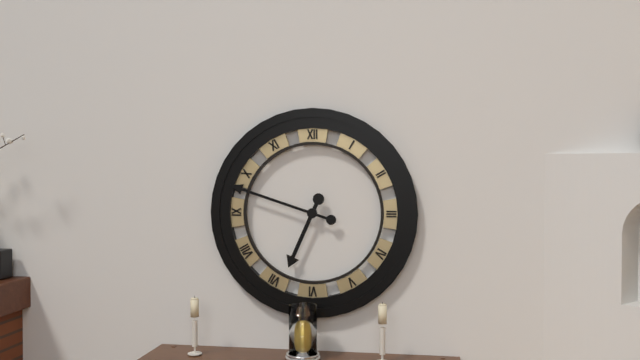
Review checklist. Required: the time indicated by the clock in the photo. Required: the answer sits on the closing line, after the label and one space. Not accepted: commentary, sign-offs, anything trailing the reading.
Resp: 6:48
